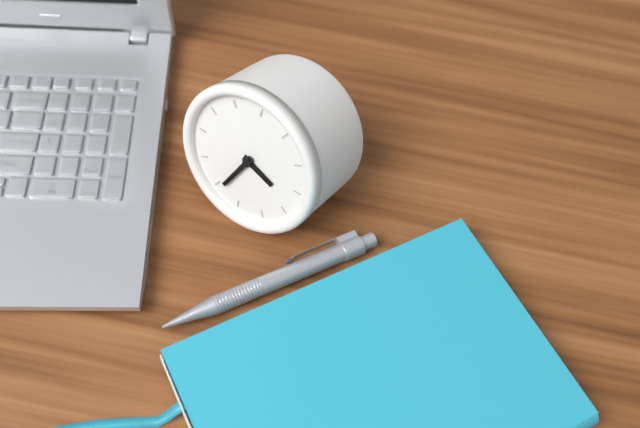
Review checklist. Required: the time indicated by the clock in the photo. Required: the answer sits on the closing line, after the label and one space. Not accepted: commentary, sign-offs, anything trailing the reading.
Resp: 3:34
